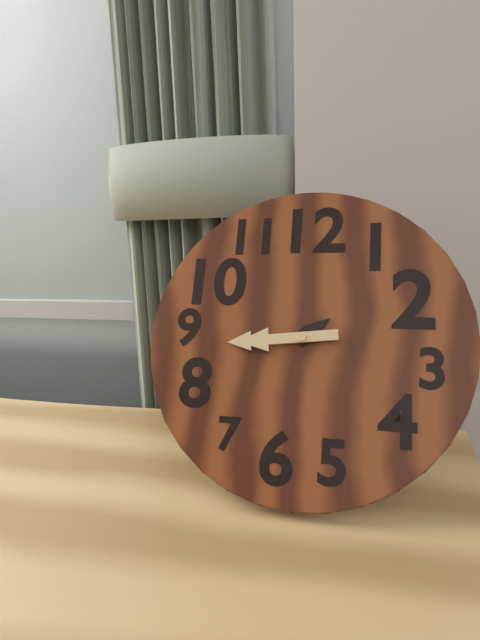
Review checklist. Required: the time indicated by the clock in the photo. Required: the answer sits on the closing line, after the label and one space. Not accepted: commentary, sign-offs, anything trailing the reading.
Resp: 1:44
